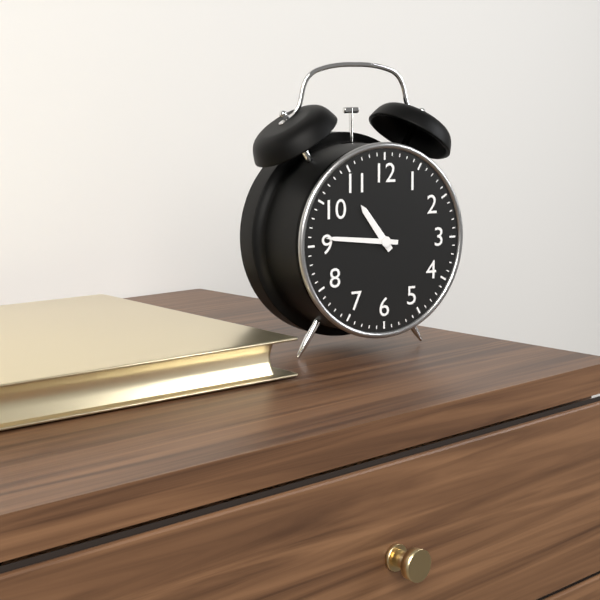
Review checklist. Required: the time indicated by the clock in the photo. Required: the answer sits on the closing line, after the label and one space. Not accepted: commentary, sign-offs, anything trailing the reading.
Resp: 10:46
